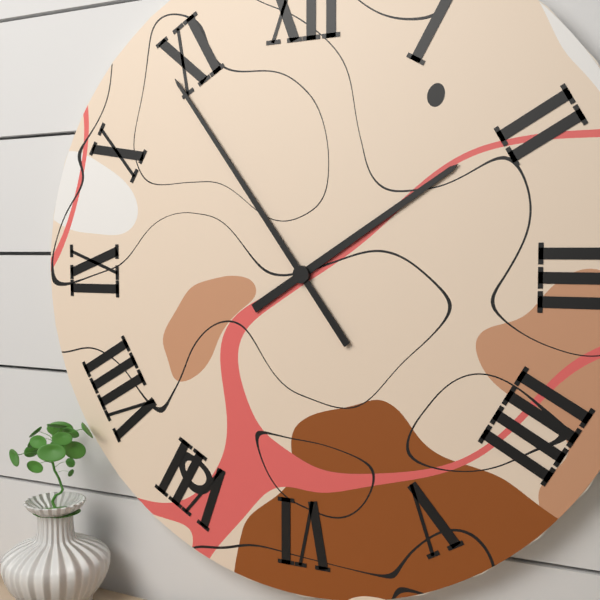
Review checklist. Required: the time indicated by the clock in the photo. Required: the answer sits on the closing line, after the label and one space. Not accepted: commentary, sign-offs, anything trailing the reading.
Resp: 1:54
